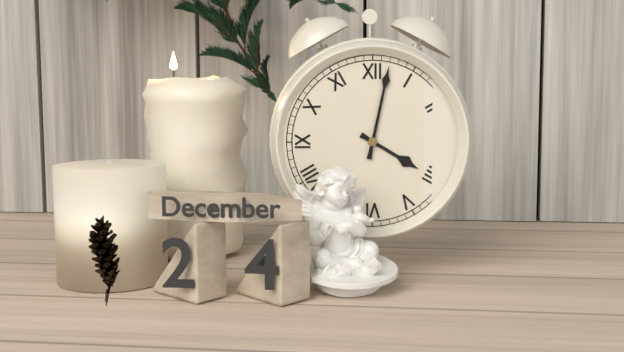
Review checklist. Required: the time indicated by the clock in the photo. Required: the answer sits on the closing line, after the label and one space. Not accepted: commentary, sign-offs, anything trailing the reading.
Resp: 4:02
